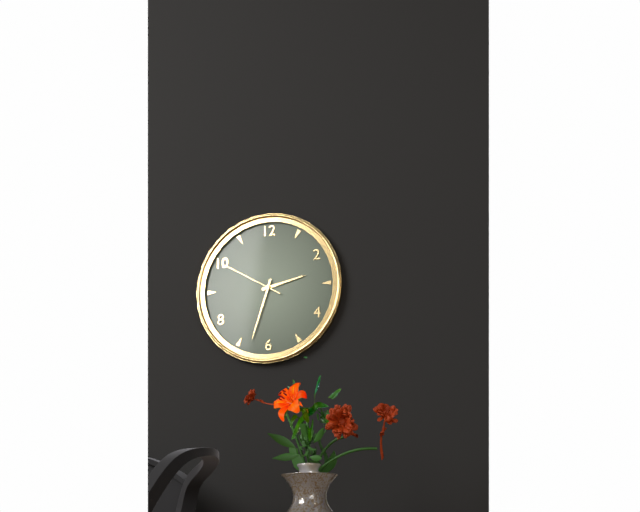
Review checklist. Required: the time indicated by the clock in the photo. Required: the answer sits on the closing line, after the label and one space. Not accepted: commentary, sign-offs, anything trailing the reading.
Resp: 2:33:50
